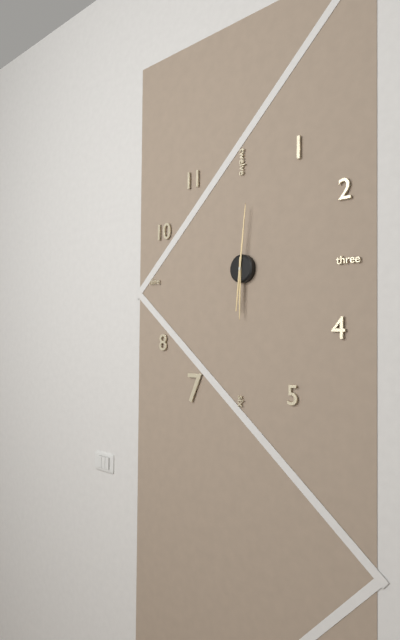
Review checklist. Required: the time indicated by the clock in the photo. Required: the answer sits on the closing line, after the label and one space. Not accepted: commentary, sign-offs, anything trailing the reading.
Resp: 6:01
